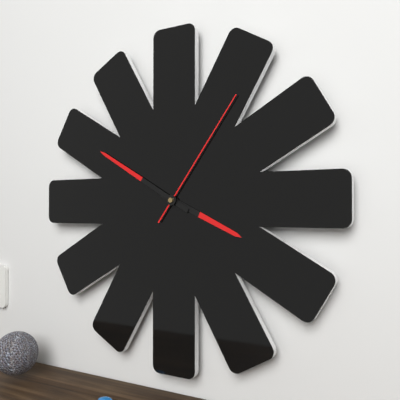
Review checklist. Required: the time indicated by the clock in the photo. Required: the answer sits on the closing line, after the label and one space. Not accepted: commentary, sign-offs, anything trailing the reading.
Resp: 3:50:06
